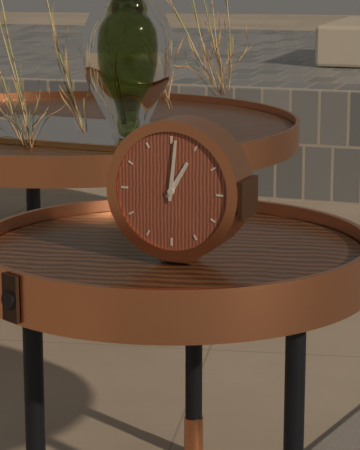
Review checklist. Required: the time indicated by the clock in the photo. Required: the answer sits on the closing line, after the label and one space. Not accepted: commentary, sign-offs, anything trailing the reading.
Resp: 1:01
